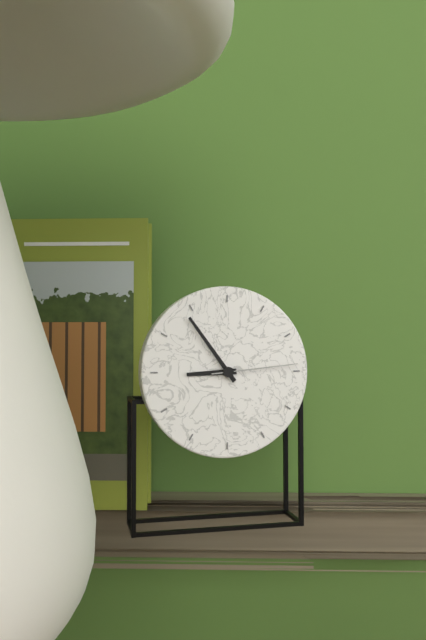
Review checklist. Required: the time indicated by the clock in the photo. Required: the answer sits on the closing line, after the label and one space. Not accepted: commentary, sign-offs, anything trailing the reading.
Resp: 8:54:14
